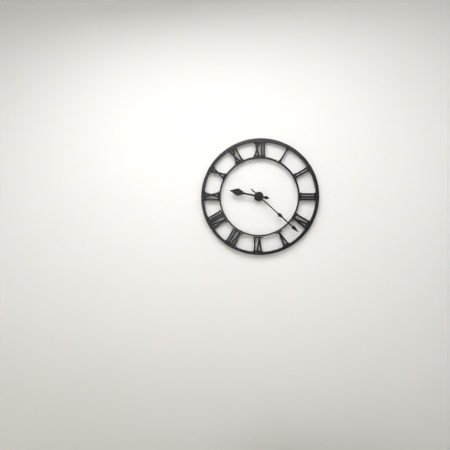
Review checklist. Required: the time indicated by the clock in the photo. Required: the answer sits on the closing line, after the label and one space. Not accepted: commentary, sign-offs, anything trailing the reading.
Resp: 9:22
